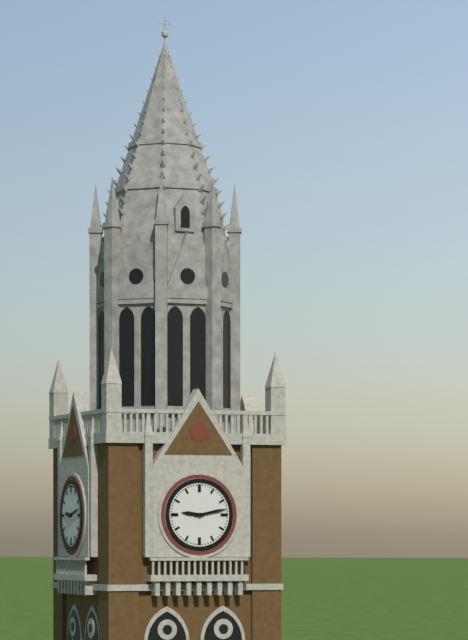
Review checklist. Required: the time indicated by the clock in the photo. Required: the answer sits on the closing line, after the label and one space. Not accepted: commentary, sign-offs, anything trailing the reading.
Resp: 9:13
